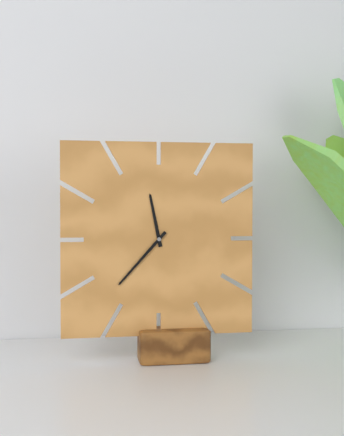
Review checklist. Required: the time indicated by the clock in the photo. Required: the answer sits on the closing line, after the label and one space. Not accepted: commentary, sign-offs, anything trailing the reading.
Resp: 11:37
